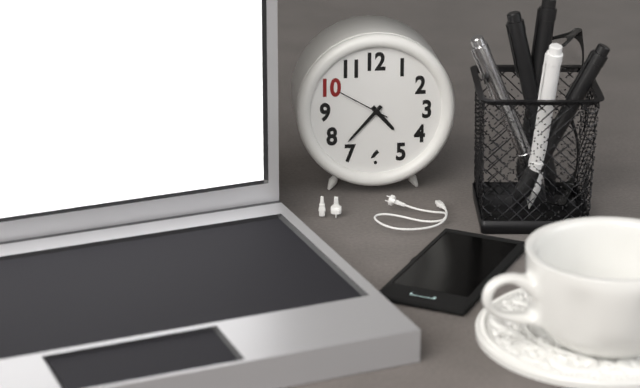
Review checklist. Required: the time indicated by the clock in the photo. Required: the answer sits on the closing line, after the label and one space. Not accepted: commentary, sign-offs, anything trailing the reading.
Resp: 4:37:50
